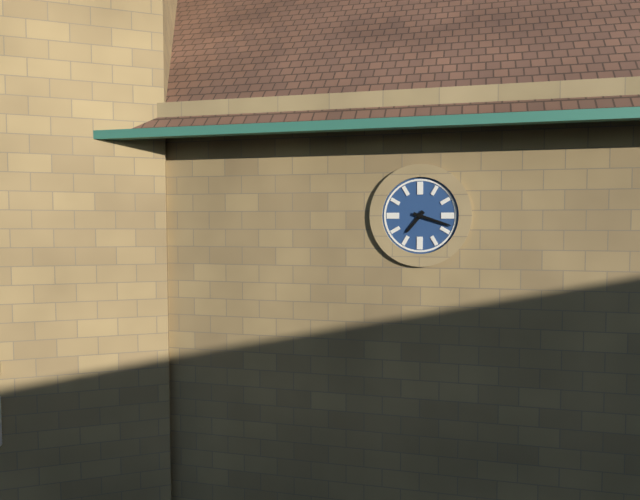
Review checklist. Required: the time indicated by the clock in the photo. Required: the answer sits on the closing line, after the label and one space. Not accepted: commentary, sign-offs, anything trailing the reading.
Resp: 7:18
